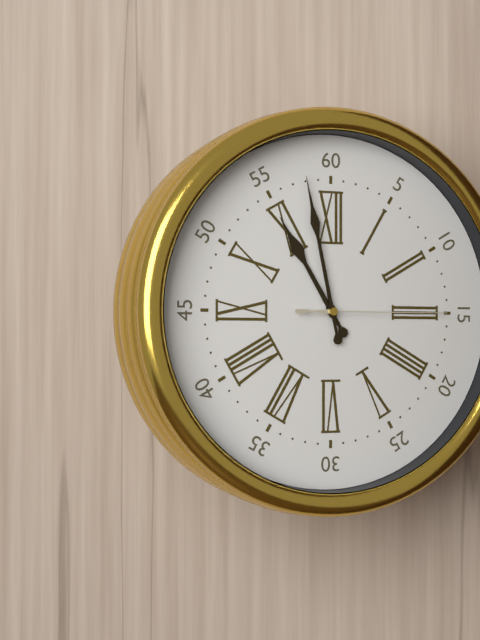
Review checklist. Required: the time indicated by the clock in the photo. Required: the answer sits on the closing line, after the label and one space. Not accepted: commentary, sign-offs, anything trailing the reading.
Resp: 10:58:15
